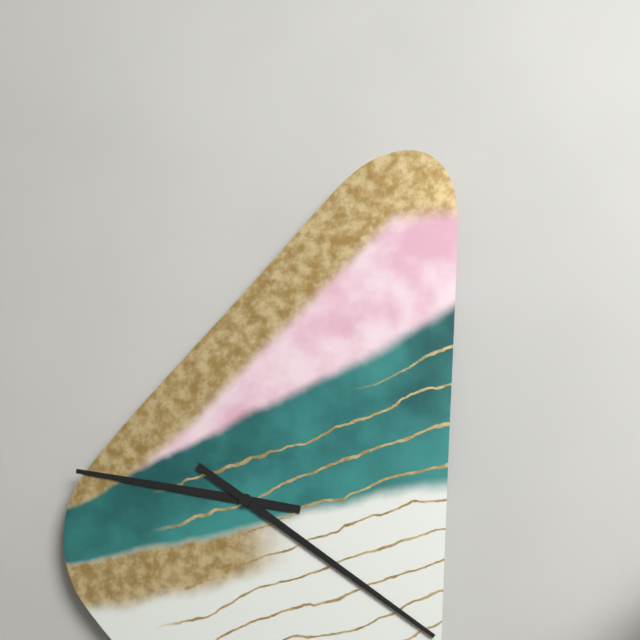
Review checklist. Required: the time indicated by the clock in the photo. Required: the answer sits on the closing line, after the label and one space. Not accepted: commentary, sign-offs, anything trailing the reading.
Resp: 9:21
